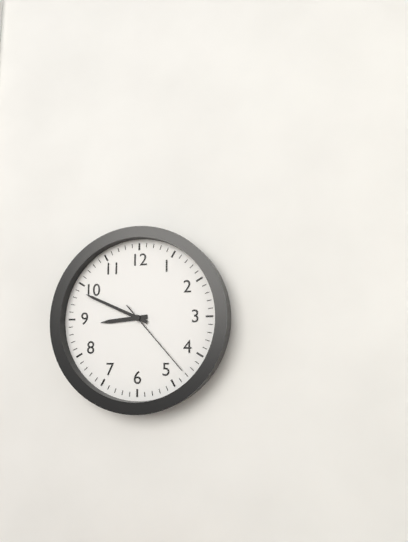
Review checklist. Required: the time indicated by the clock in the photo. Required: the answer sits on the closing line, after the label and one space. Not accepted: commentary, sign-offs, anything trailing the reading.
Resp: 8:49:23
